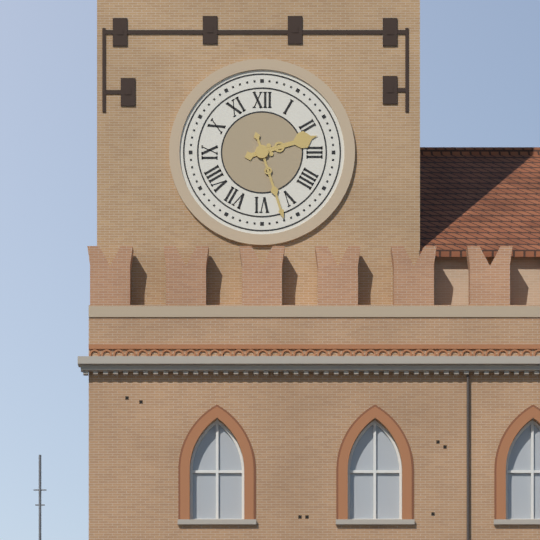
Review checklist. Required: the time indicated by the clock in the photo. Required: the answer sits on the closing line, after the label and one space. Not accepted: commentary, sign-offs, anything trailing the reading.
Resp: 2:27
